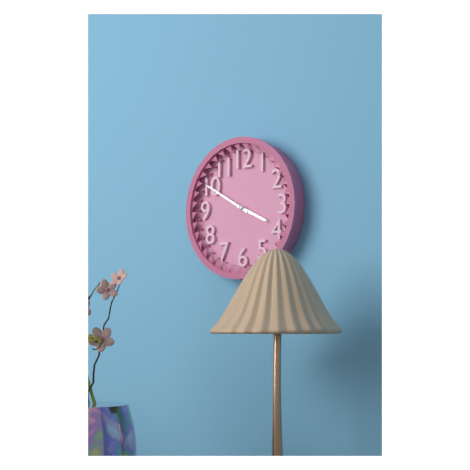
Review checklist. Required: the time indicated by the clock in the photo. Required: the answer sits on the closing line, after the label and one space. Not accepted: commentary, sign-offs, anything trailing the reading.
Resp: 3:50
